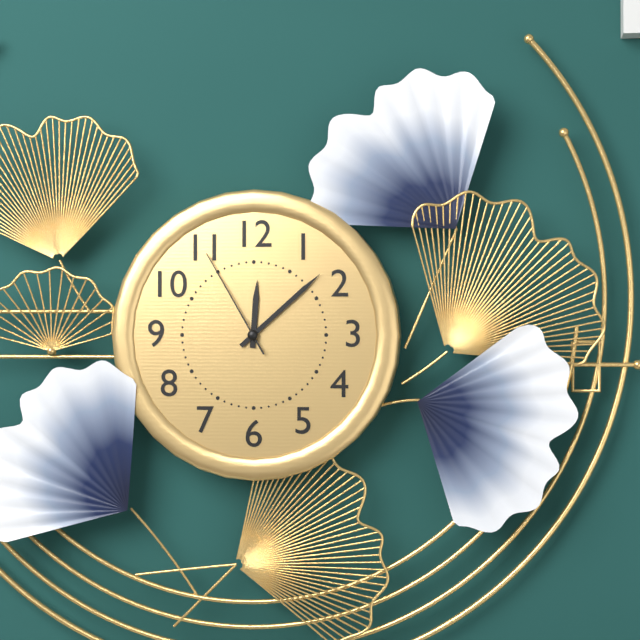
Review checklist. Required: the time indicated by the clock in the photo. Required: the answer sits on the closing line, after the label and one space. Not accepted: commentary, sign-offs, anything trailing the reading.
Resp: 12:08:55
